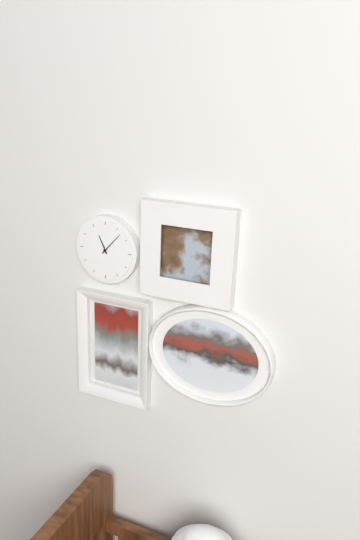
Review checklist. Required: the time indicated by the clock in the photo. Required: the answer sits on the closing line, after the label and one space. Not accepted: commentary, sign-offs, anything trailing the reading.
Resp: 11:07
